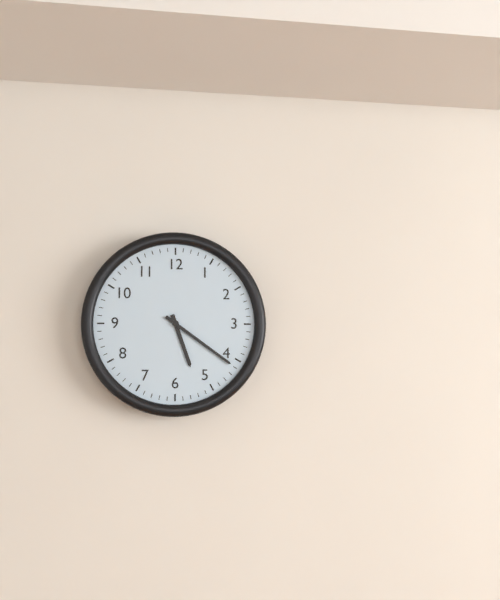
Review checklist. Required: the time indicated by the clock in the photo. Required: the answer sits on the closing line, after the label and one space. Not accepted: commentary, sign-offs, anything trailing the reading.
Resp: 5:21
